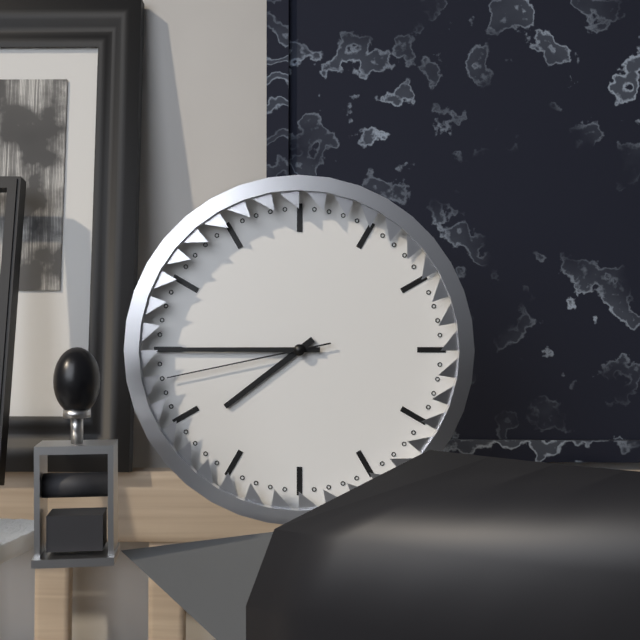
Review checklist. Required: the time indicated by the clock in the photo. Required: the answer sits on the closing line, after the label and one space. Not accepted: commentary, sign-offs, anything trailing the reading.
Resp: 7:45:43
